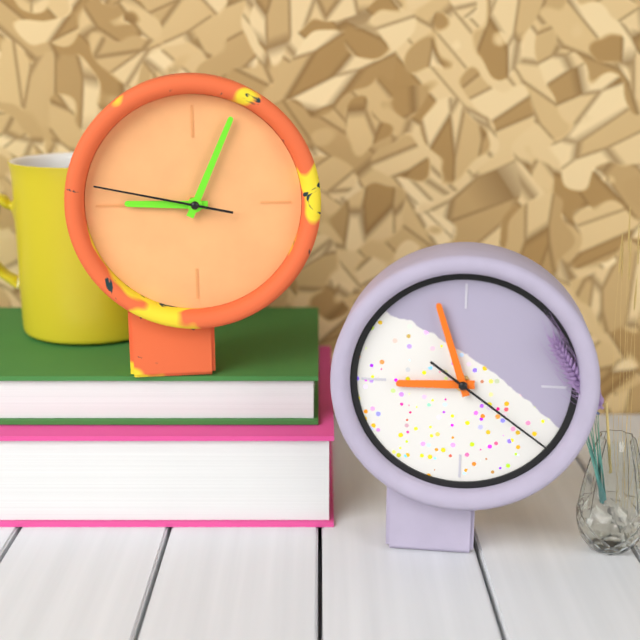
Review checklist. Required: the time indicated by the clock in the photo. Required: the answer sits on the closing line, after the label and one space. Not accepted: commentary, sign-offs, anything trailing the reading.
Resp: 9:04:47
